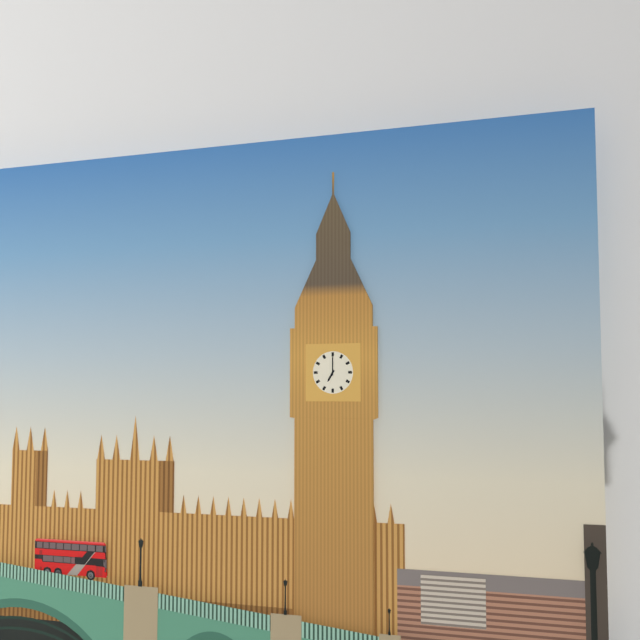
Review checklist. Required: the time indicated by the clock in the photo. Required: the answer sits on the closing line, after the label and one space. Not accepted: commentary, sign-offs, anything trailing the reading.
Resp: 7:00
